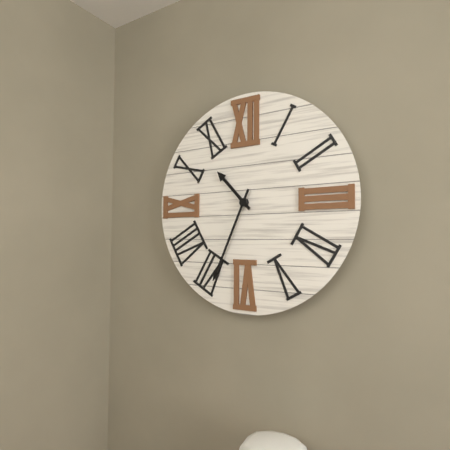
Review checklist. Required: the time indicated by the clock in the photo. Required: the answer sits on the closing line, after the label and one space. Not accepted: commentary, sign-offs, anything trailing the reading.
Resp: 10:34
